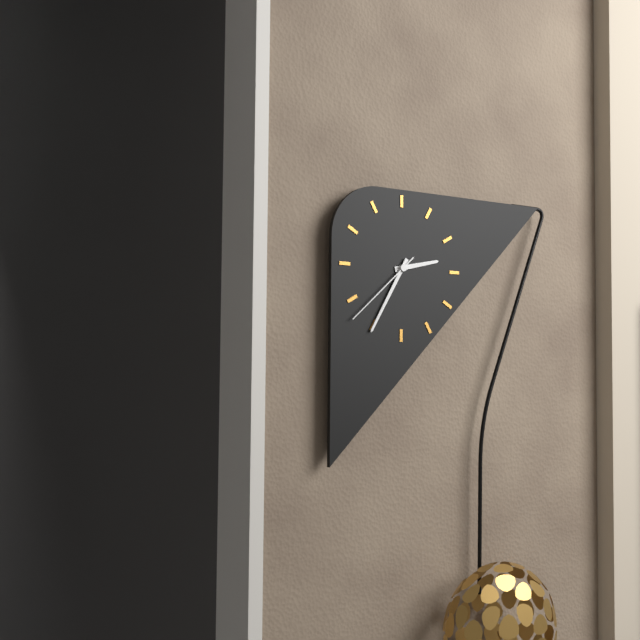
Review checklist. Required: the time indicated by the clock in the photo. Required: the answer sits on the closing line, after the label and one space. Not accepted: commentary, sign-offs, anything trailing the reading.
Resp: 2:35:38
